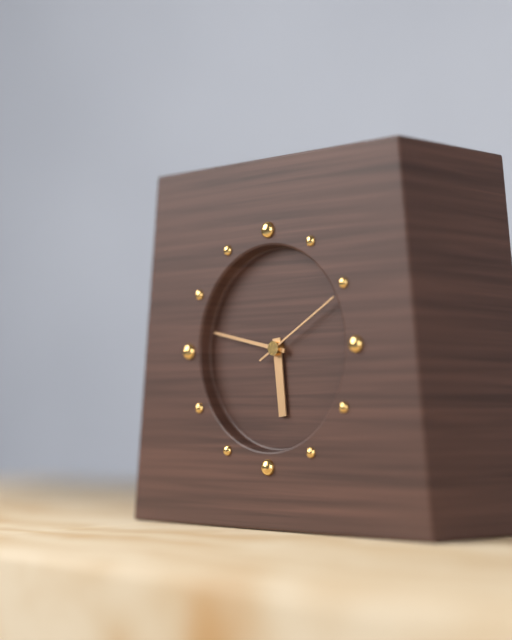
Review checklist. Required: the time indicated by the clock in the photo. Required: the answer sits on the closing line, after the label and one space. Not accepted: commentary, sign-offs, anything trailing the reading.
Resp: 5:47:10
